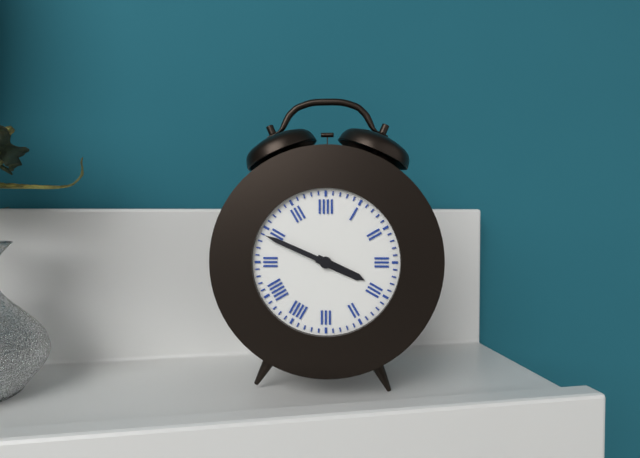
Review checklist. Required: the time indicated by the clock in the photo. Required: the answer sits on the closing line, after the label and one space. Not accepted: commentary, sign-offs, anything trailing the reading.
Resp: 3:49
